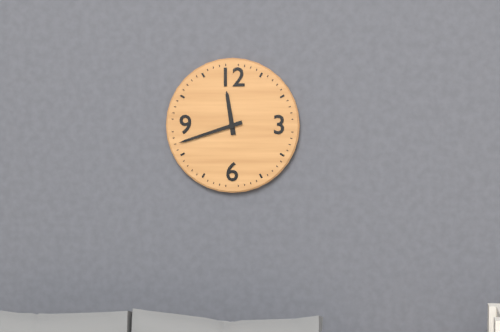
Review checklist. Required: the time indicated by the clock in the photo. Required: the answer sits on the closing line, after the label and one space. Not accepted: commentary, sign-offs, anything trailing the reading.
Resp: 11:42
